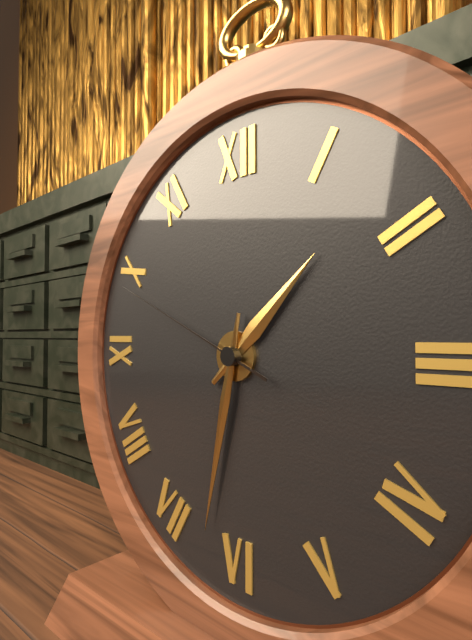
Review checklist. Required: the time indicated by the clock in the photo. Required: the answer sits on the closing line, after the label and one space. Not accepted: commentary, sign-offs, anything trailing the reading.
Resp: 1:32:49
